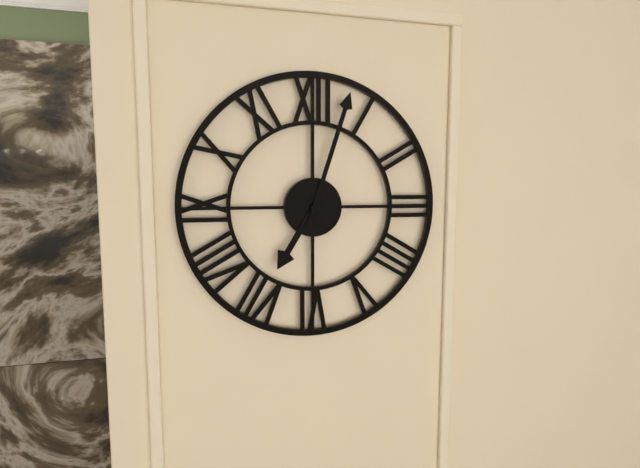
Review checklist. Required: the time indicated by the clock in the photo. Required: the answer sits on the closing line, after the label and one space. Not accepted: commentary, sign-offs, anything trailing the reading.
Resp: 7:03
